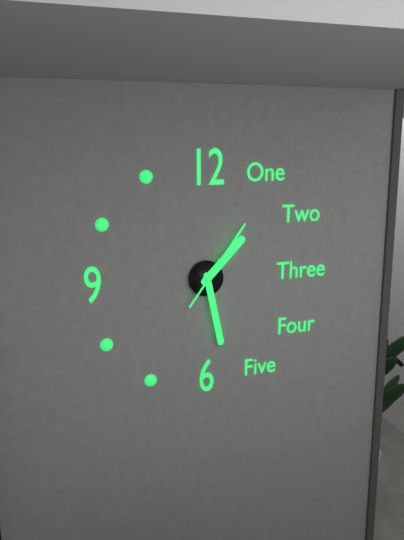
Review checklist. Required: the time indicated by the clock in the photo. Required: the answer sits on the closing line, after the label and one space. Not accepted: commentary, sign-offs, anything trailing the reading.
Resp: 1:28:06
